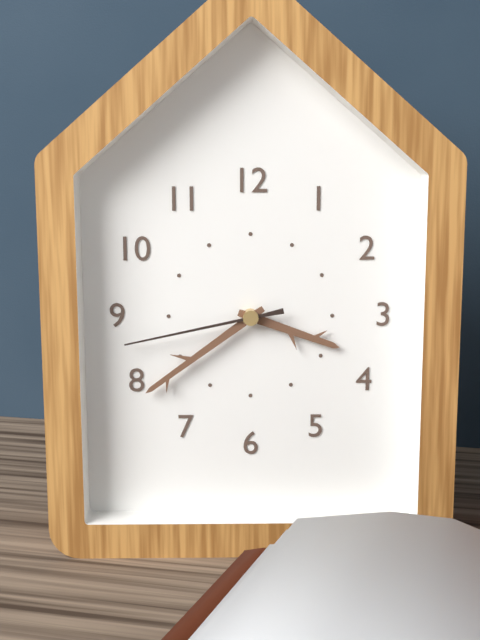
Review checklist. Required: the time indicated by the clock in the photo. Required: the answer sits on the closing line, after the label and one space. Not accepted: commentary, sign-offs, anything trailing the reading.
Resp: 3:39:43
